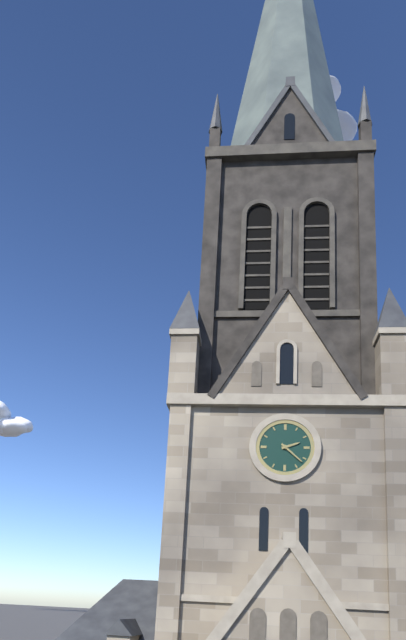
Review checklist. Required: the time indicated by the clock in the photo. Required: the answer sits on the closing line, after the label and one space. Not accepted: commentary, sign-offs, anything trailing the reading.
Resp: 2:22
